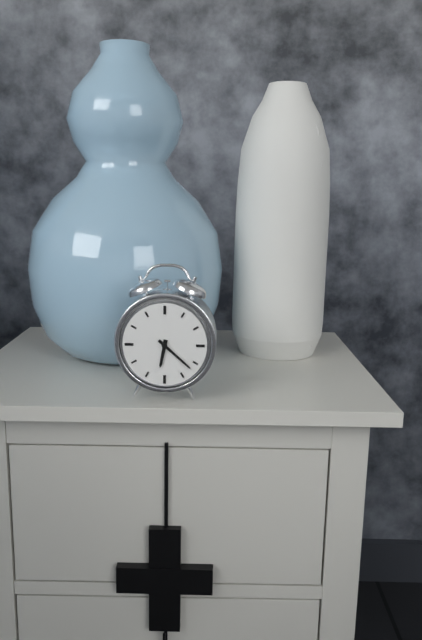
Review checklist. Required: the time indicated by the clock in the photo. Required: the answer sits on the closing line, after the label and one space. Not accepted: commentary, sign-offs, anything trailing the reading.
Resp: 6:22
